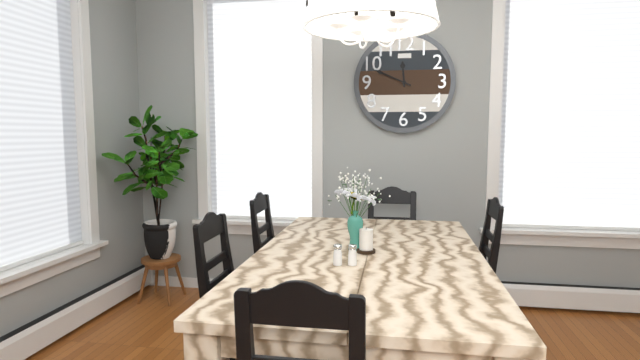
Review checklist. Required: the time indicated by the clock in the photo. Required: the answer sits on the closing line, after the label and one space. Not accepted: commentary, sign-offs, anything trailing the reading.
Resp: 11:49
